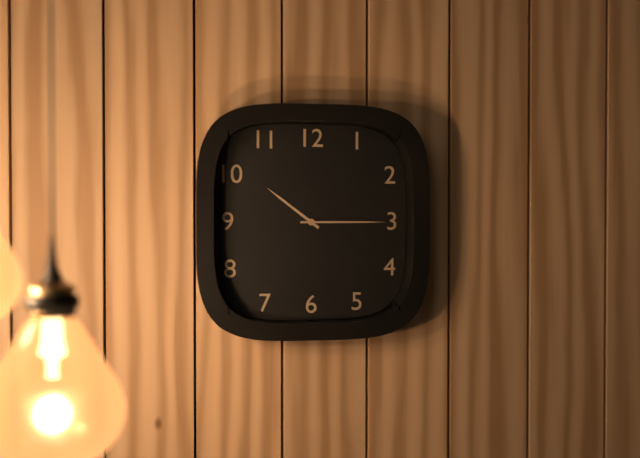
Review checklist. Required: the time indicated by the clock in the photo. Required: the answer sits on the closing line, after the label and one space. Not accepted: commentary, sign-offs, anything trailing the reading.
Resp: 10:15
